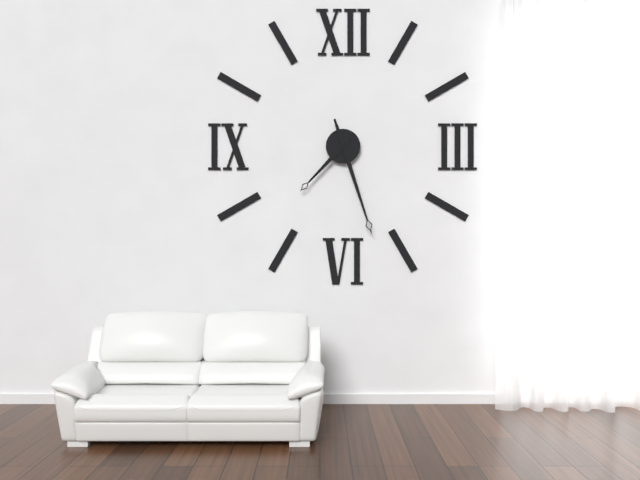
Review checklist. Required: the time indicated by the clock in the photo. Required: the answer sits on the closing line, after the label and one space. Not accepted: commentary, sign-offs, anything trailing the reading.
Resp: 7:27
